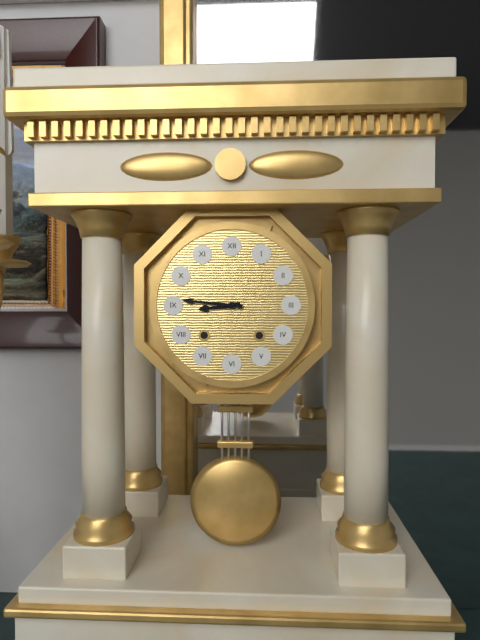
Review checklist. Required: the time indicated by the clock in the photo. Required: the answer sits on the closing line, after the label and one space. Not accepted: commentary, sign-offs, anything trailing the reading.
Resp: 8:46
